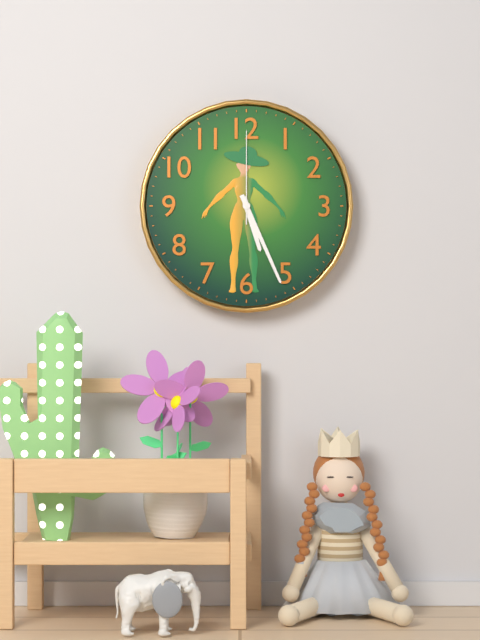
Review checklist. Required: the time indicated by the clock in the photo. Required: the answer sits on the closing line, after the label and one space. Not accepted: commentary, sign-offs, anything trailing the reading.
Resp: 5:26:00
